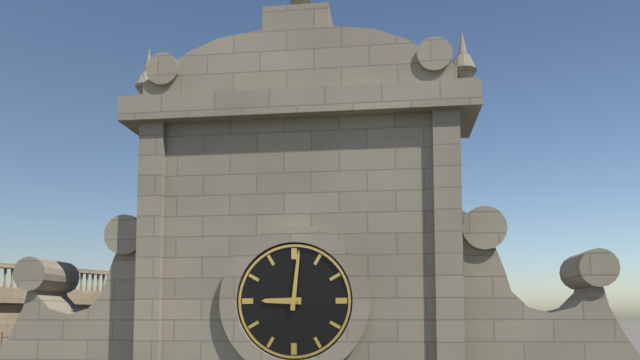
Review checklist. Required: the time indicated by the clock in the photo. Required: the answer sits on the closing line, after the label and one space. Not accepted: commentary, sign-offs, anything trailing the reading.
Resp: 9:01
